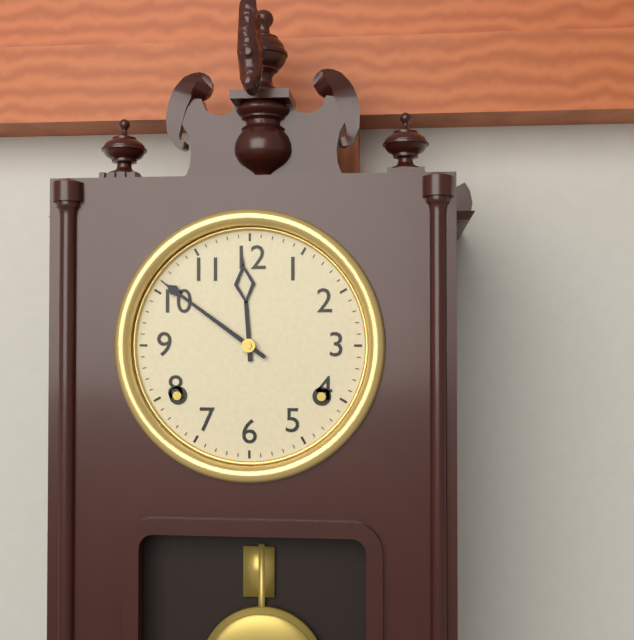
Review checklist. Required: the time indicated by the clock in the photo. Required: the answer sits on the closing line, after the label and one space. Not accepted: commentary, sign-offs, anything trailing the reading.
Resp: 11:51
